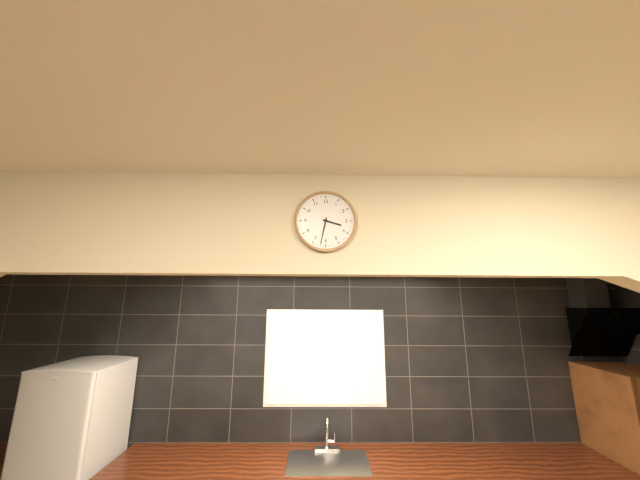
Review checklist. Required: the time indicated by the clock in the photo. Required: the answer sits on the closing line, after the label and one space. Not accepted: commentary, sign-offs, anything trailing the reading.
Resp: 3:32
